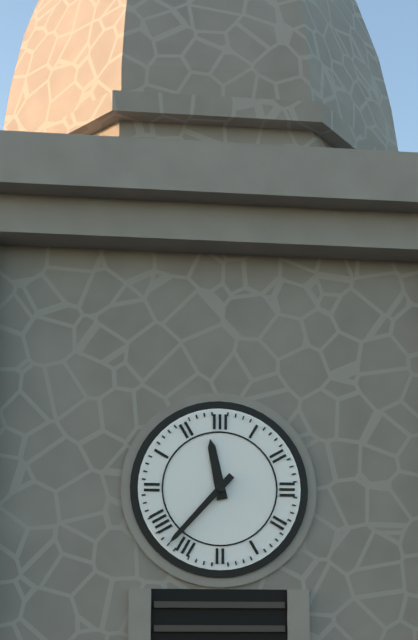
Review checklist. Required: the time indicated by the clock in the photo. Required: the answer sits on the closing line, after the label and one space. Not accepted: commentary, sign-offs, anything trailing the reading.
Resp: 11:37
